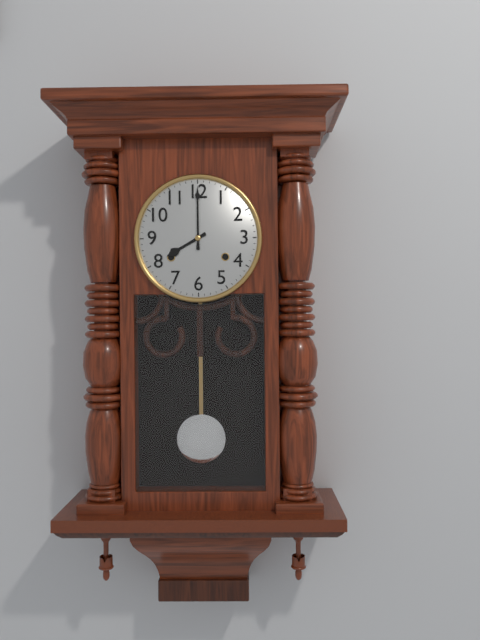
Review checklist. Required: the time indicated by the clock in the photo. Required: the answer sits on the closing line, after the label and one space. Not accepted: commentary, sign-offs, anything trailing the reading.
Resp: 8:00
